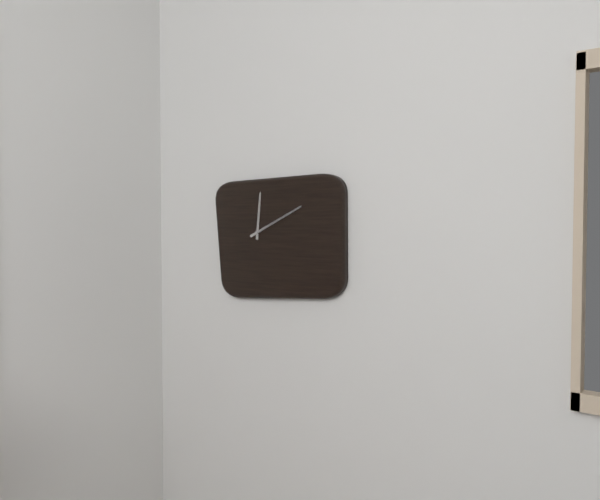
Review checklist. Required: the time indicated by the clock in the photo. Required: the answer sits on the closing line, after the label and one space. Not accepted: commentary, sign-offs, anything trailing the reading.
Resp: 12:11
